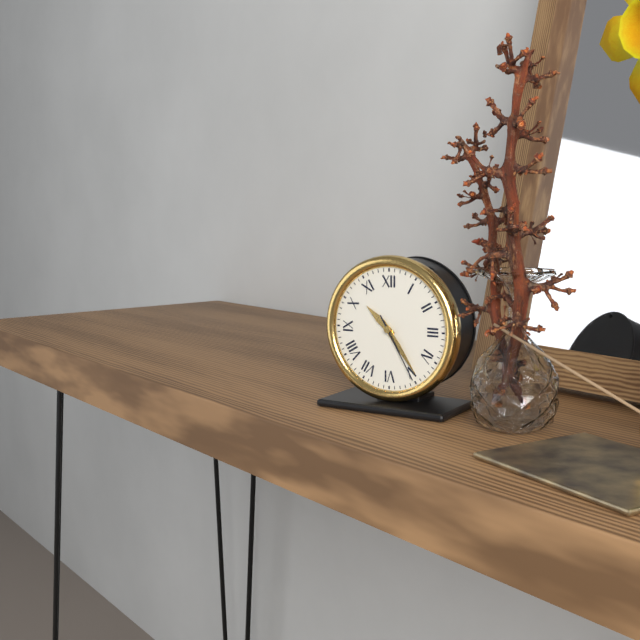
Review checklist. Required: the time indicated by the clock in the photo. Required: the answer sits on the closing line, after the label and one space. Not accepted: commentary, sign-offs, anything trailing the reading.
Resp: 10:24:25
